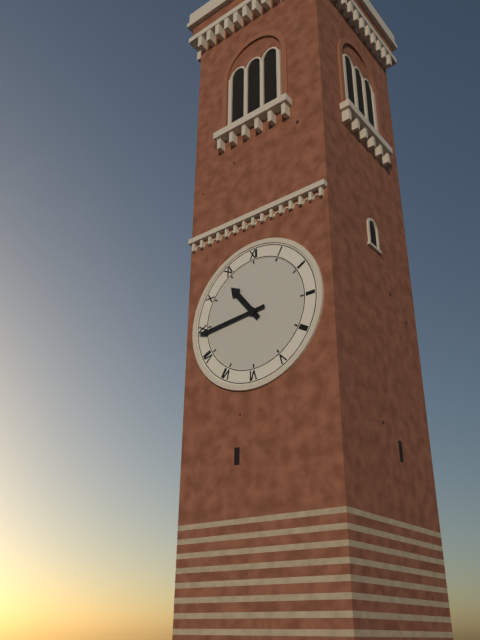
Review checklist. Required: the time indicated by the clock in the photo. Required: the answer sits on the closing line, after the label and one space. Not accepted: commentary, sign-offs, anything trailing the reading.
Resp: 10:44
